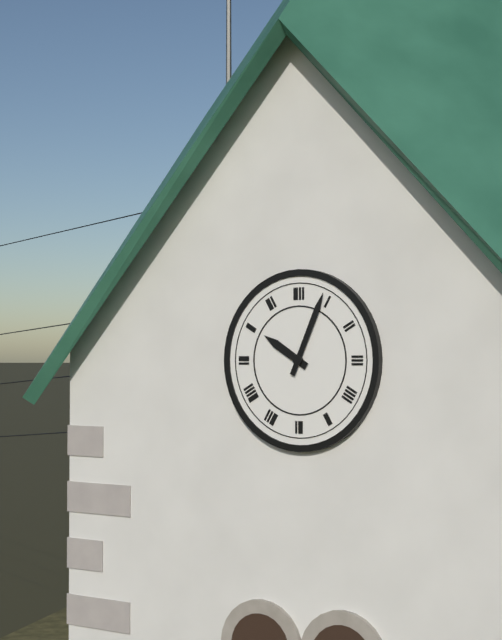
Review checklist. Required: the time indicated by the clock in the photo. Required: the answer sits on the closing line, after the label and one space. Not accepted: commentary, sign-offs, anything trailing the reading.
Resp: 10:04
